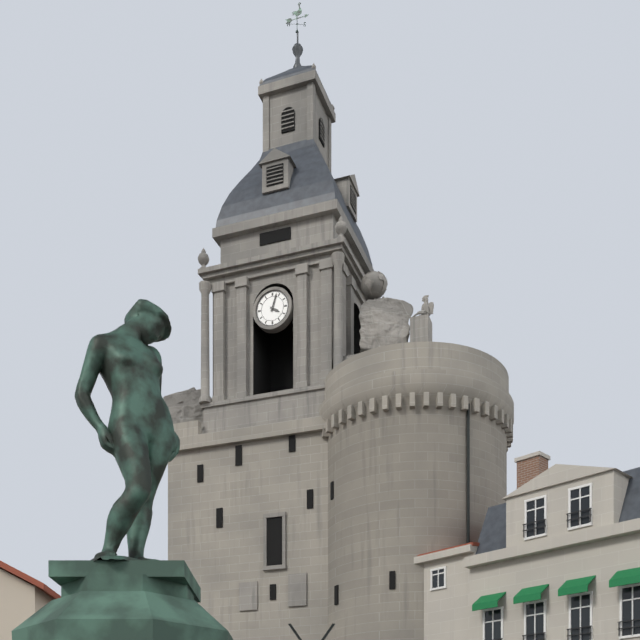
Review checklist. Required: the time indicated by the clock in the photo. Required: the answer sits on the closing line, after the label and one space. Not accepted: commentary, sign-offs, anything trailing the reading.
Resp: 4:03
